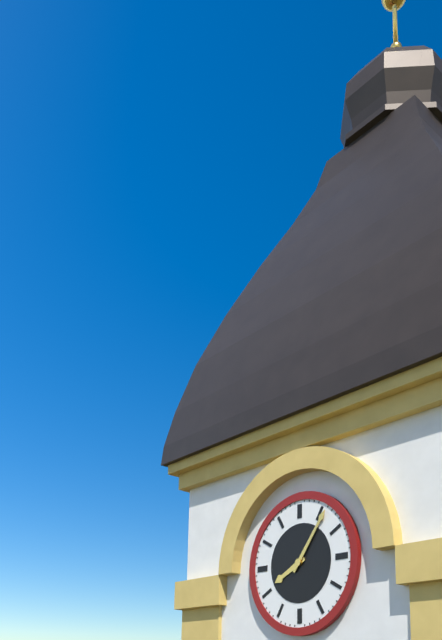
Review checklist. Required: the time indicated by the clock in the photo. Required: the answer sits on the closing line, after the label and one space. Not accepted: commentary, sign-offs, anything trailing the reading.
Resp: 8:06
